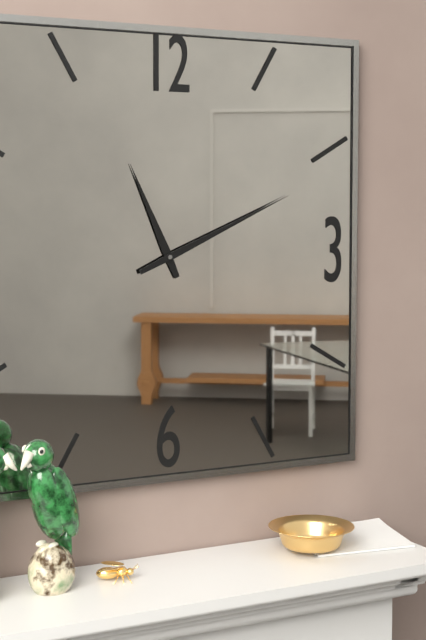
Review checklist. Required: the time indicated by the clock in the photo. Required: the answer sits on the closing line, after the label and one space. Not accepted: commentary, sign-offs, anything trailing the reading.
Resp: 11:11
